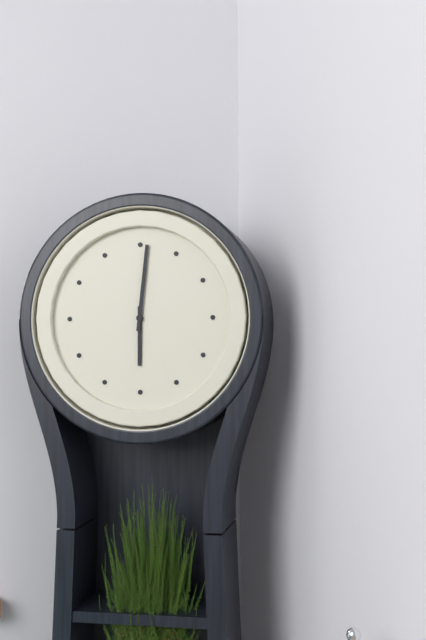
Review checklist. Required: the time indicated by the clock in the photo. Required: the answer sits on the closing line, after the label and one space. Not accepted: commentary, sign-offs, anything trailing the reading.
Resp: 6:01
